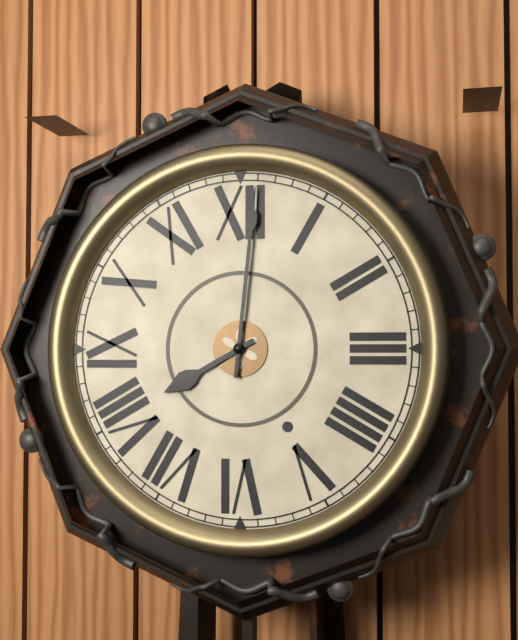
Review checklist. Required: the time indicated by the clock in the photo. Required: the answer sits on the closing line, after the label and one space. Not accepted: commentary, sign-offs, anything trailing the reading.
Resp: 8:01
